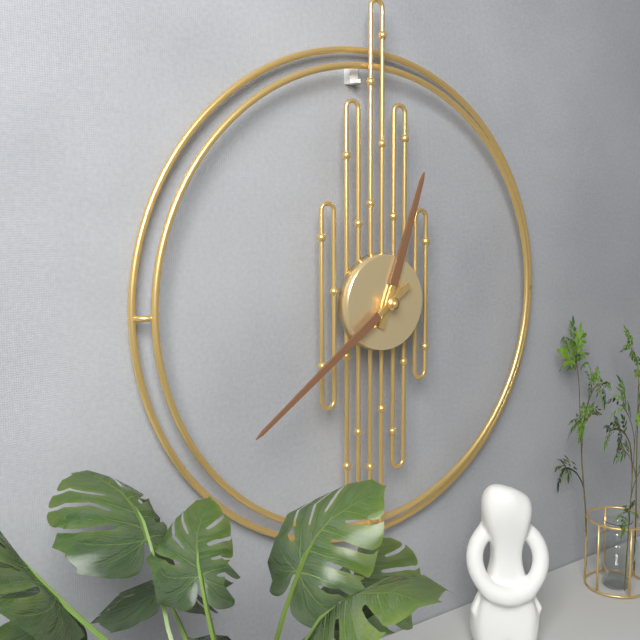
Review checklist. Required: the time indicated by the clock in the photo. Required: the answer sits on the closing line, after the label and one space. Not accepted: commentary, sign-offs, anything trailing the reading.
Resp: 12:39
